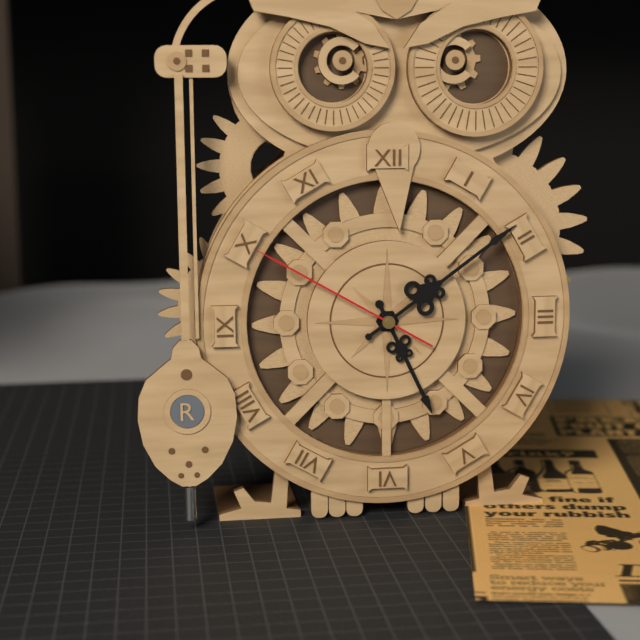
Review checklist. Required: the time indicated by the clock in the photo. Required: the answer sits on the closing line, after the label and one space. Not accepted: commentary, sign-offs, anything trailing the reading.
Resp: 5:09:50
